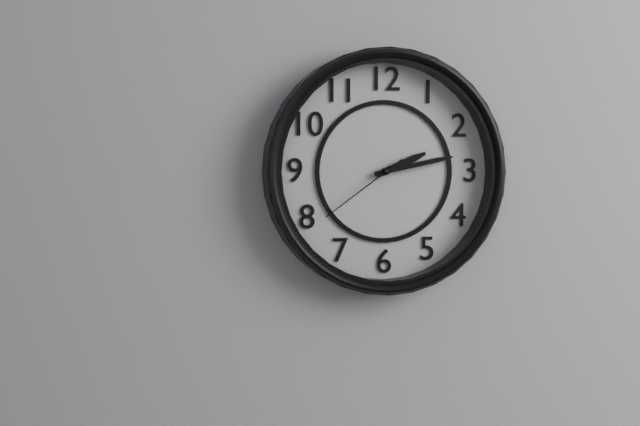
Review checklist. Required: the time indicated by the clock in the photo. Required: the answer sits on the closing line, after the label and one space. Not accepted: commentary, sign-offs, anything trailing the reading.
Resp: 2:13:39
